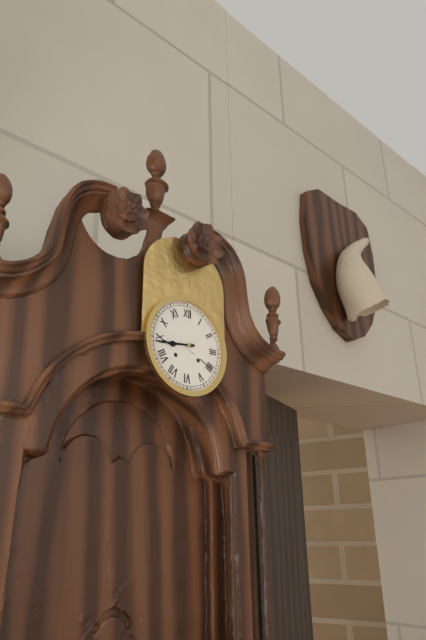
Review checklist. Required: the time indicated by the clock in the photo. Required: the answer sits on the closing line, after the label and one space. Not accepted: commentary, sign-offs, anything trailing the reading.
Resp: 8:44
